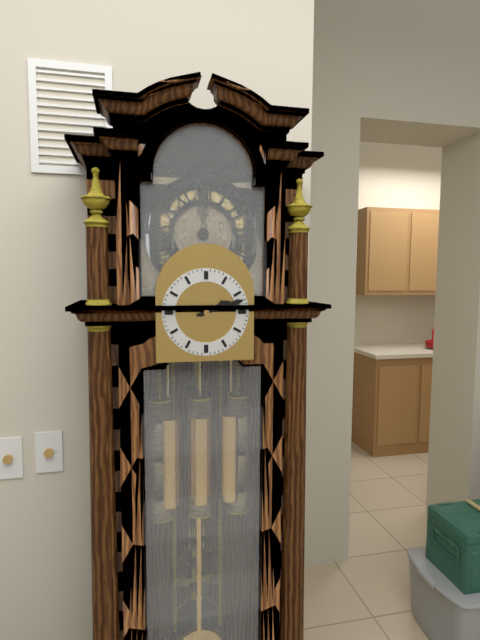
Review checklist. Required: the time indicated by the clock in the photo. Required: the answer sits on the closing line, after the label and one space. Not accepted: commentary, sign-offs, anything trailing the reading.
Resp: 2:12
